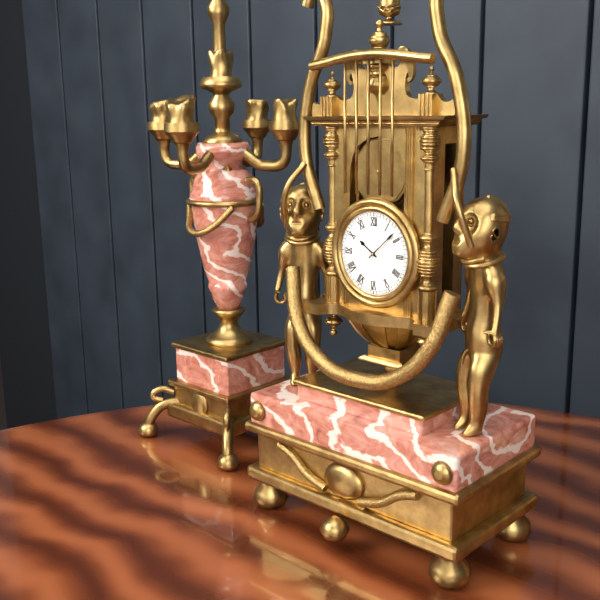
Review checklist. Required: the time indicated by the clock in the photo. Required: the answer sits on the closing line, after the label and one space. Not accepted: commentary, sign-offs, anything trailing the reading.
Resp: 10:08
